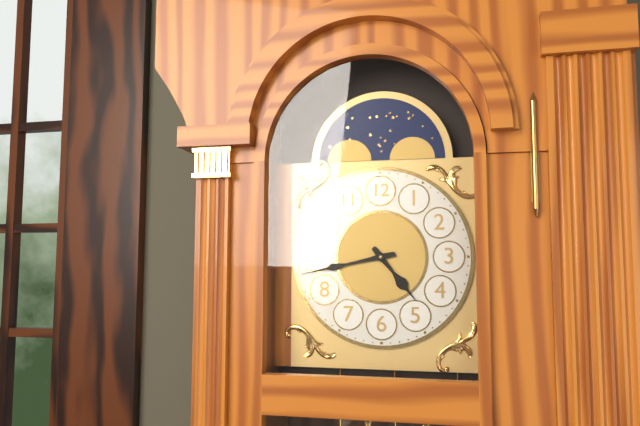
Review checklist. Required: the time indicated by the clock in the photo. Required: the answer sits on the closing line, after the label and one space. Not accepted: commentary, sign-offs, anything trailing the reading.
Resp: 4:43
